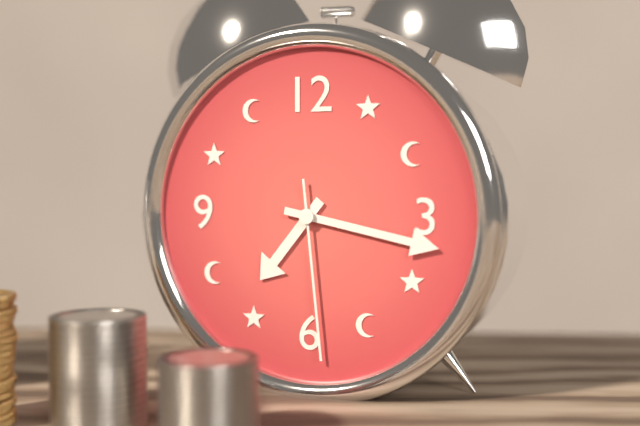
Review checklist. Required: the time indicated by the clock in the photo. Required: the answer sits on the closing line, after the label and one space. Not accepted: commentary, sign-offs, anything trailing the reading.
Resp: 7:17:29
